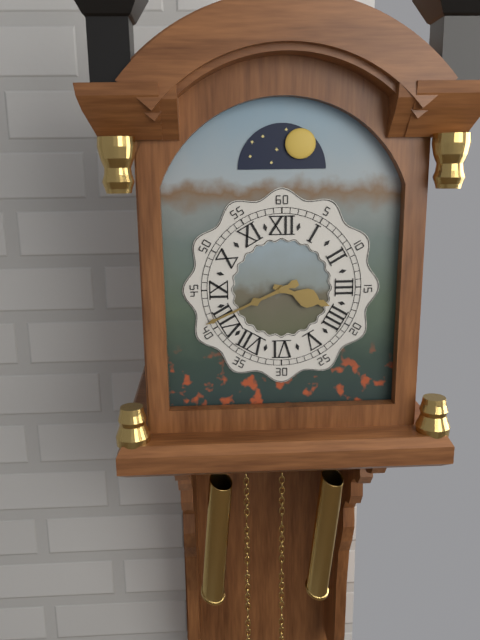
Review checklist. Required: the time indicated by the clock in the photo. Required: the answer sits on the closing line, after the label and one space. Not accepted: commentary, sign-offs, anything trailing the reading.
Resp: 3:41
